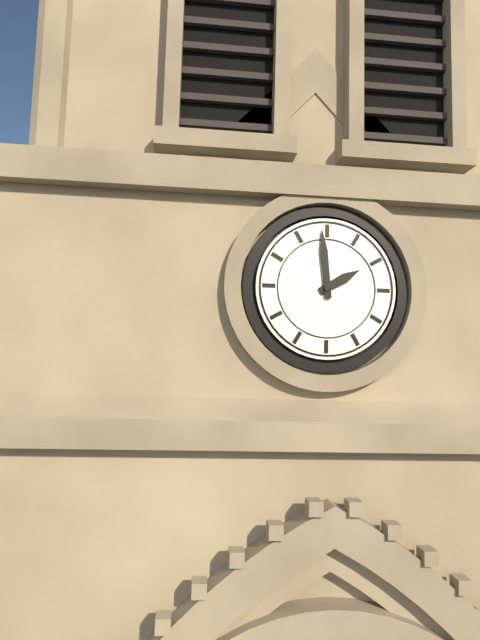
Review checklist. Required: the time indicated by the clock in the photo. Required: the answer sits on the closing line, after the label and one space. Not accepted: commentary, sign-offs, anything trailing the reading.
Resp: 1:59
